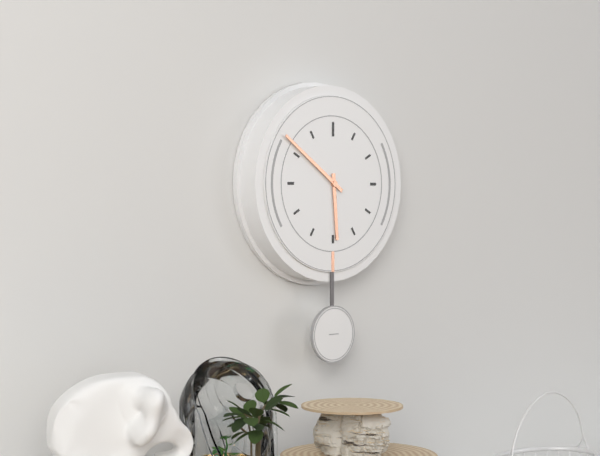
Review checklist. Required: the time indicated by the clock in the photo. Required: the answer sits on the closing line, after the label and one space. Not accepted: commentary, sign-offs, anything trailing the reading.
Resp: 5:51
